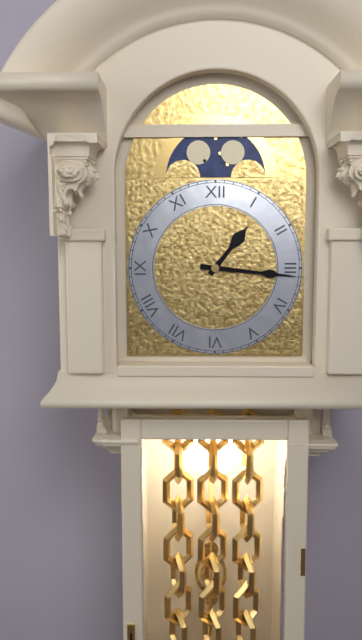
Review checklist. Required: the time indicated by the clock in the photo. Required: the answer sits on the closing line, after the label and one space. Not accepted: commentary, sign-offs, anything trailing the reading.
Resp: 1:16
